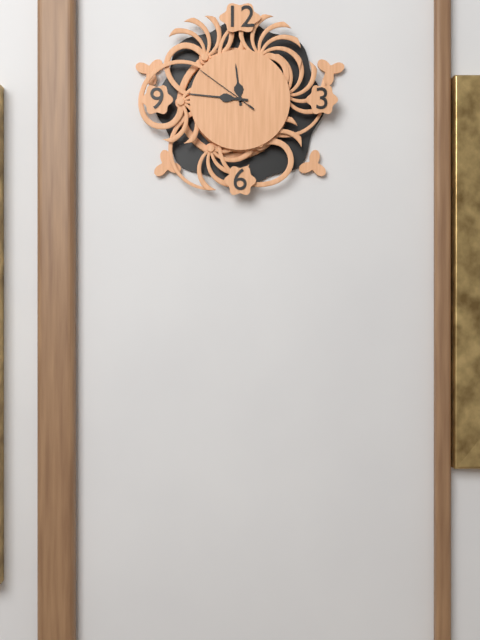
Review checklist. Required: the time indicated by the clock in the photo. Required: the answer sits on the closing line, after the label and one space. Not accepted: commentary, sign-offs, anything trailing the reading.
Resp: 11:46:51
